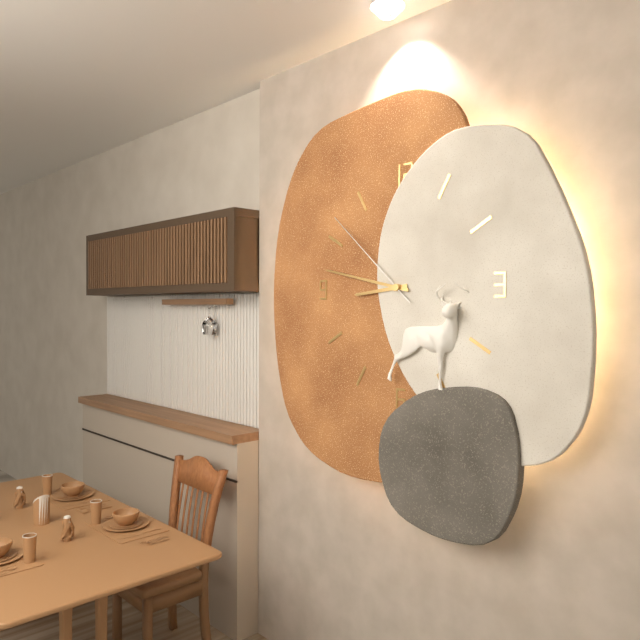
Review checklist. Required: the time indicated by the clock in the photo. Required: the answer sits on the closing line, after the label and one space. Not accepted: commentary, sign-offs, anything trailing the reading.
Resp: 8:47:52
